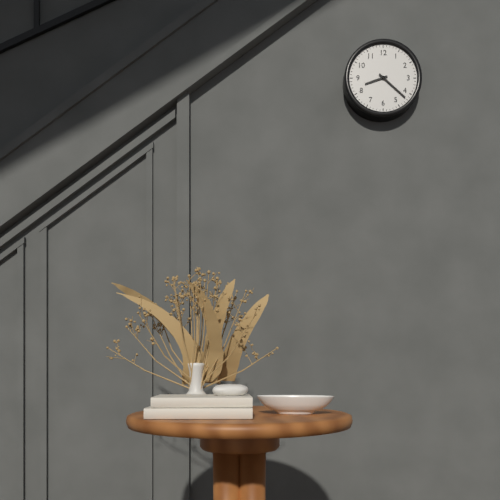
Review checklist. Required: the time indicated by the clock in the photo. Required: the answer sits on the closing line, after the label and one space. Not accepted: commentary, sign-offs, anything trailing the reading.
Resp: 8:22
